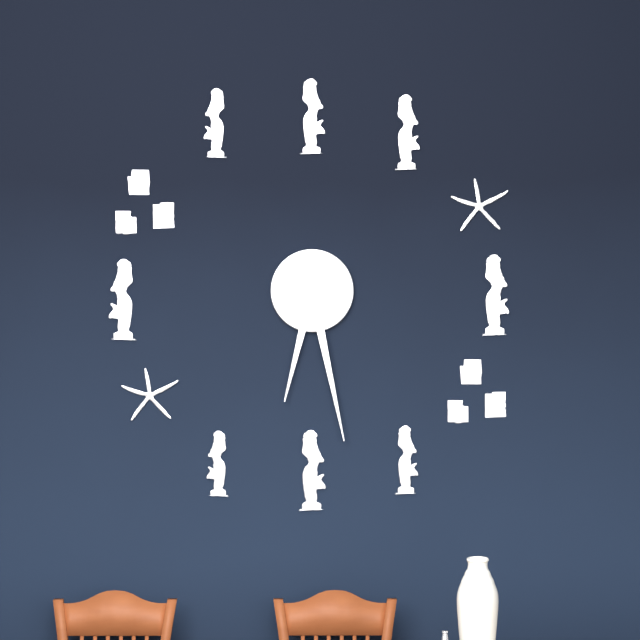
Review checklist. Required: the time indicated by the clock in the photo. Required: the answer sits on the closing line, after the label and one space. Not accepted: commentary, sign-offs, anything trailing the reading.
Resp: 6:28
